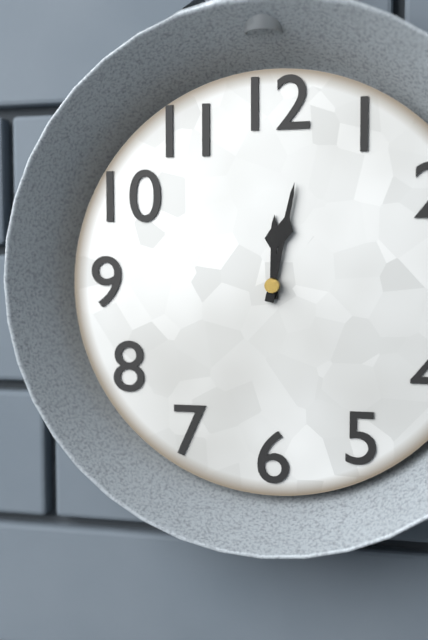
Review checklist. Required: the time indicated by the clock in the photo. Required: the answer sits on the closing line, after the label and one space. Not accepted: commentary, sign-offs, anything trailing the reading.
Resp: 12:02
